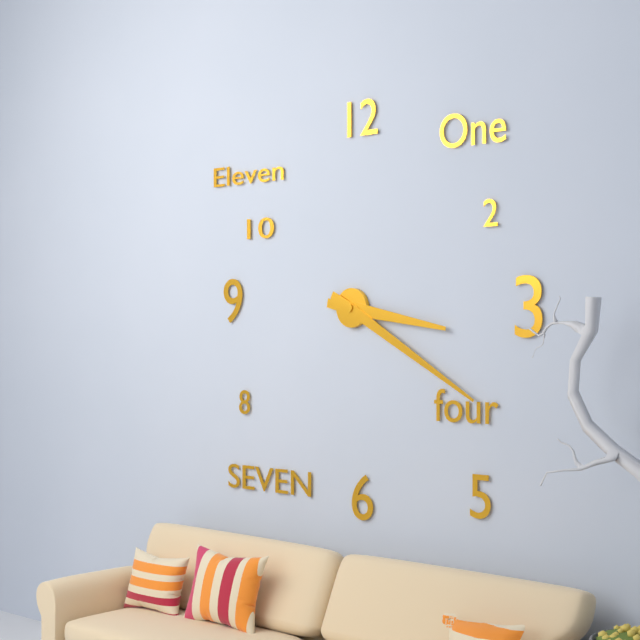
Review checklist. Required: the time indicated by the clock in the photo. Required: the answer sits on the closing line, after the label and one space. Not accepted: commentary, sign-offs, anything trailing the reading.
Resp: 3:20
